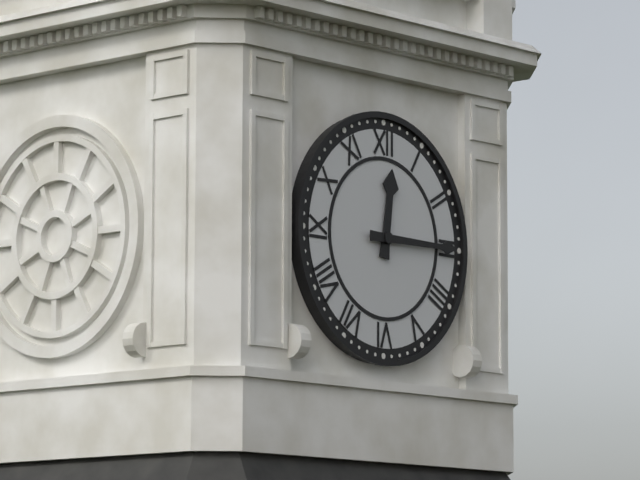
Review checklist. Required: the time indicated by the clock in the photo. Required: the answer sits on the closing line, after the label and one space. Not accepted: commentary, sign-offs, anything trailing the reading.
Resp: 12:15
